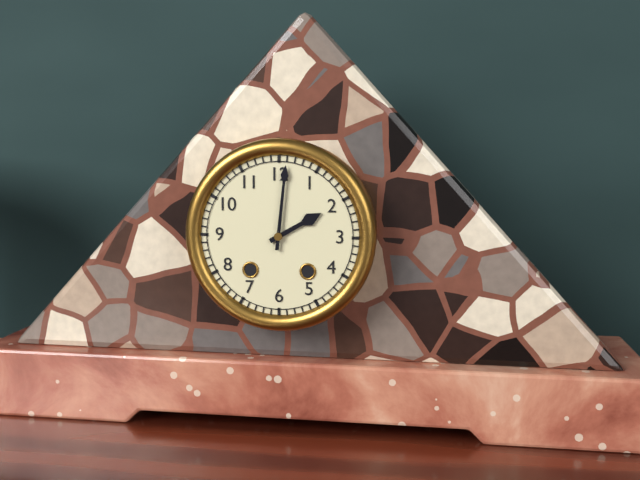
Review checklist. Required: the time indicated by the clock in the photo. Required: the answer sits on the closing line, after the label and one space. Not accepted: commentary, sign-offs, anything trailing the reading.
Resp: 2:01
